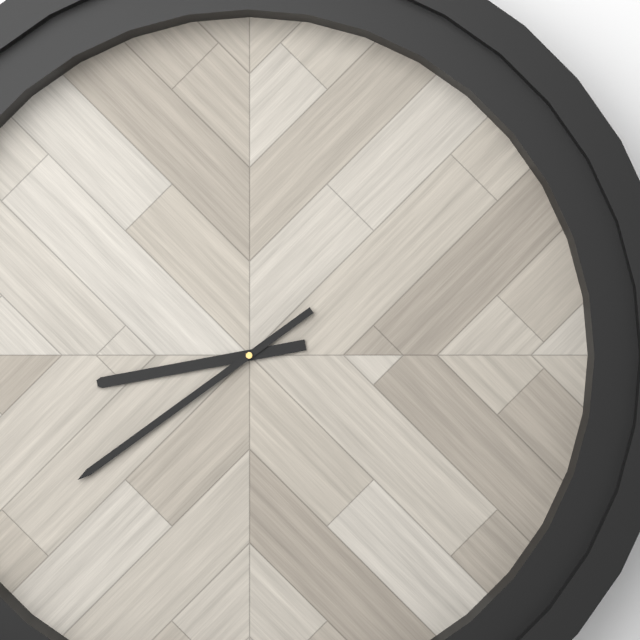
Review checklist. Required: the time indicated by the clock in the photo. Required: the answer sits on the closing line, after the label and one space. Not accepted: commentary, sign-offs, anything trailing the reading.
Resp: 8:39
